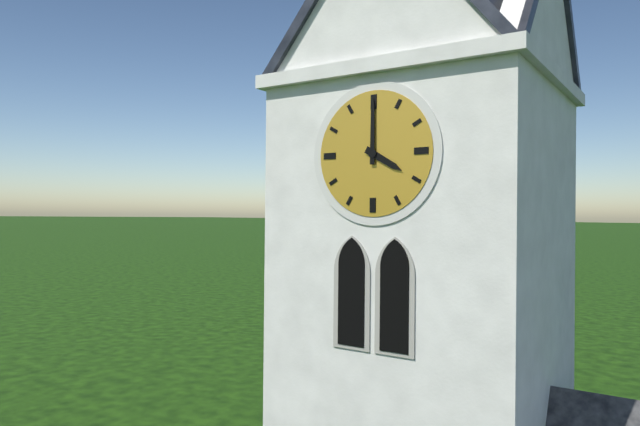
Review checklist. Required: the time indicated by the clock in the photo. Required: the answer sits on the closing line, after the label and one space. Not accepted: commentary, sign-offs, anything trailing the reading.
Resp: 4:00
